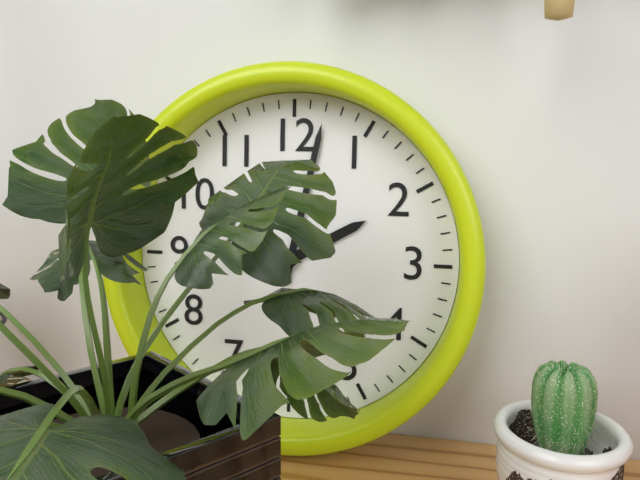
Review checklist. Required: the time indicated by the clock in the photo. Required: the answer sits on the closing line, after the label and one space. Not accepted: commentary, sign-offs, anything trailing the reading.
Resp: 2:02
